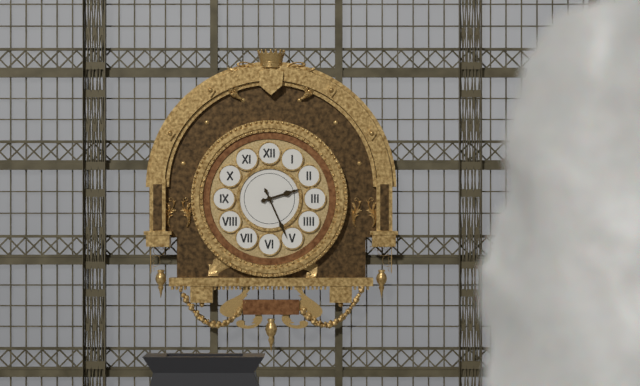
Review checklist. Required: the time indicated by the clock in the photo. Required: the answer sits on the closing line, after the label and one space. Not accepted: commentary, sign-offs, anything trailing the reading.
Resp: 2:26
